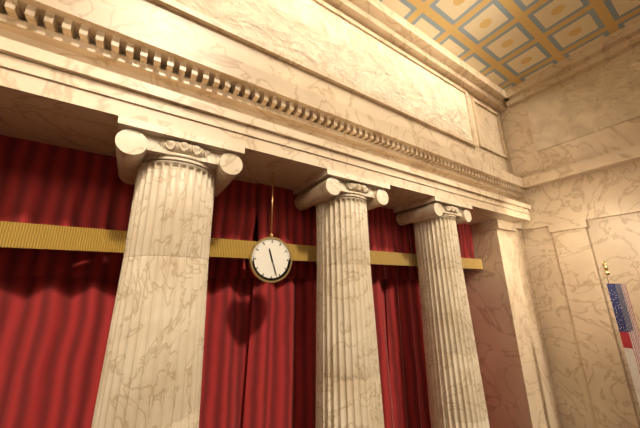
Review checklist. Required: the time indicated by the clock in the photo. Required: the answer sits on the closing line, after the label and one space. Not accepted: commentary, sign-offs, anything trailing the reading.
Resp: 11:27
